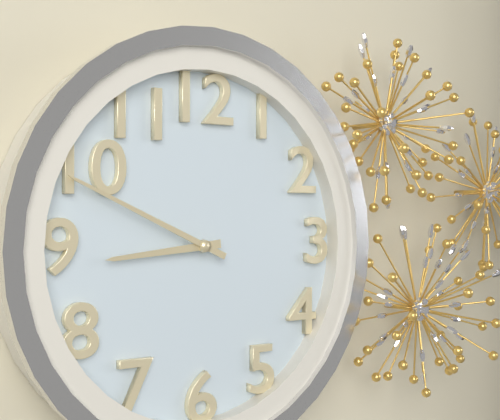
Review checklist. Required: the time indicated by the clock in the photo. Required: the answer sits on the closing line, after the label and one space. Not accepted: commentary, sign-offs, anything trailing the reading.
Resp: 8:49
